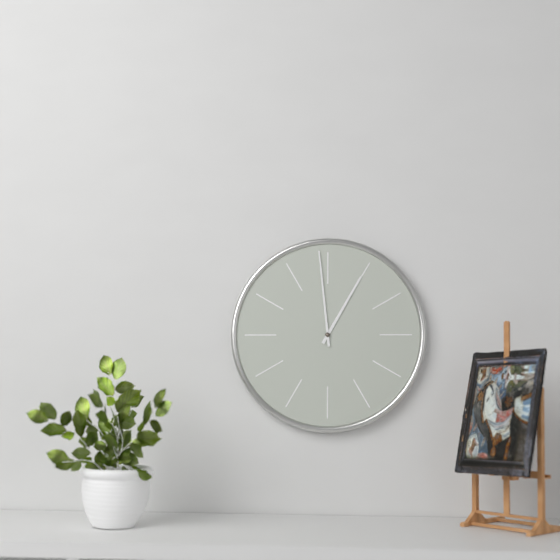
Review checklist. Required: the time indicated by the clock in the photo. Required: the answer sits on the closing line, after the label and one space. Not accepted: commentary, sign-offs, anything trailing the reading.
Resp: 12:59
